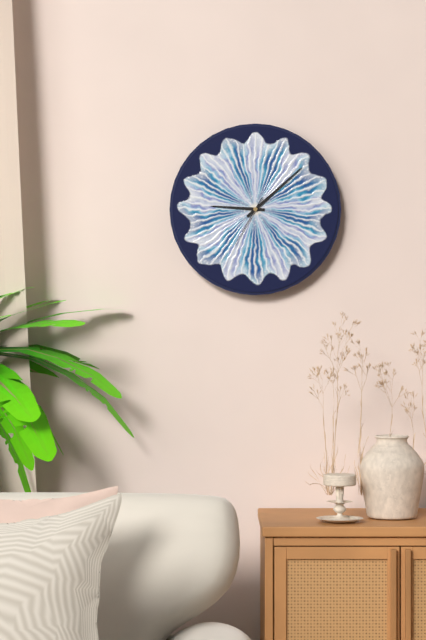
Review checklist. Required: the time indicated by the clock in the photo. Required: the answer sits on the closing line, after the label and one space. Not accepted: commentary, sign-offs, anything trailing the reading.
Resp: 9:08:35
